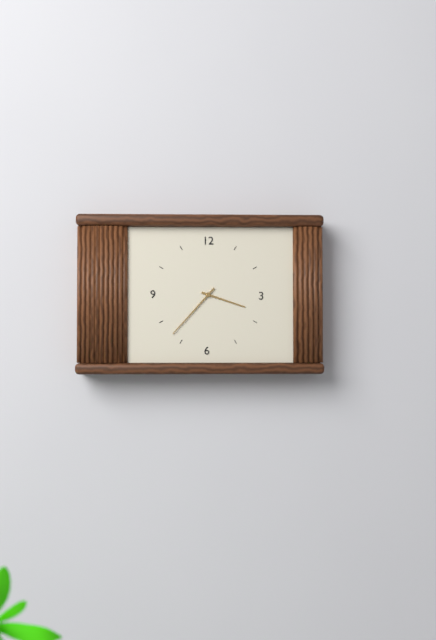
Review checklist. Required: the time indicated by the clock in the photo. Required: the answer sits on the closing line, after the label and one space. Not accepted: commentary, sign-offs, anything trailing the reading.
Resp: 3:37
